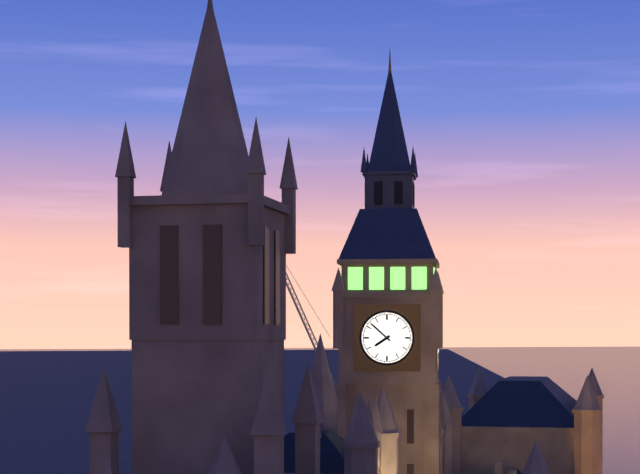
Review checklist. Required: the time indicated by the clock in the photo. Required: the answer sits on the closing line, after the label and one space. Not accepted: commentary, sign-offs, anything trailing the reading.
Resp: 7:52
